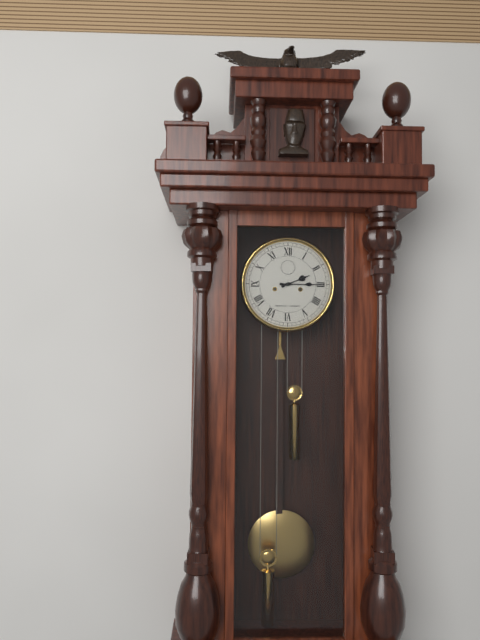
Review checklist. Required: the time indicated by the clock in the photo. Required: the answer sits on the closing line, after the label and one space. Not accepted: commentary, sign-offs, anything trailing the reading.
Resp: 2:15
